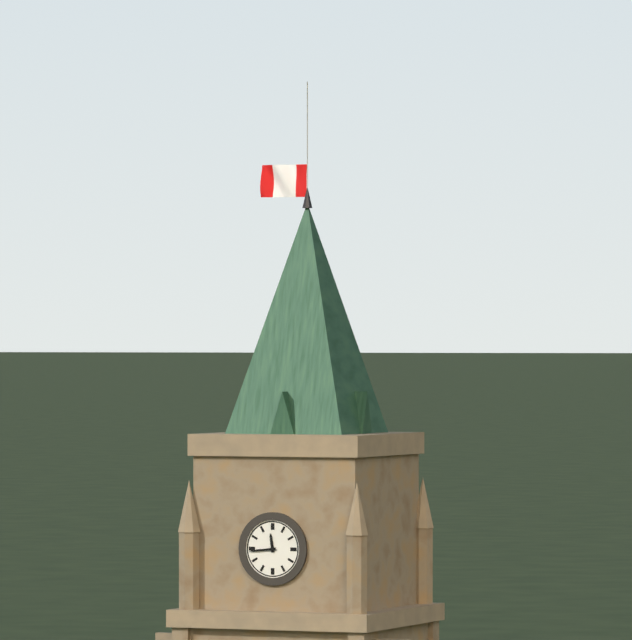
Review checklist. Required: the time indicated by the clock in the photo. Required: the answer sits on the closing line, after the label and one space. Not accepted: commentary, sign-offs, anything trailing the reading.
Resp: 11:44
